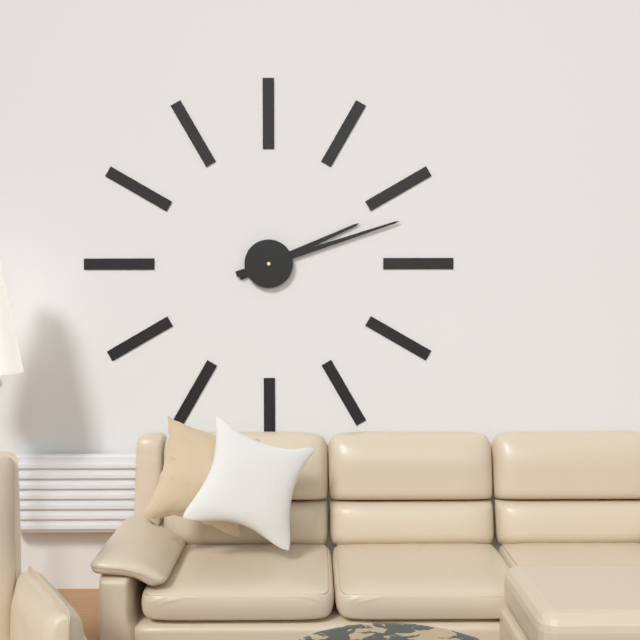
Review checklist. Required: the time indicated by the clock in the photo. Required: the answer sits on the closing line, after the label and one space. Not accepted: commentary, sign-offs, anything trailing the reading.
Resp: 2:12
